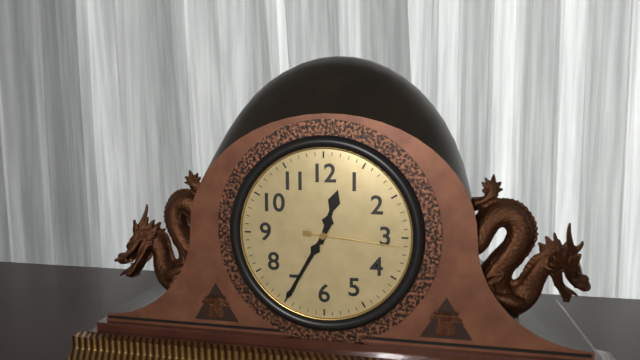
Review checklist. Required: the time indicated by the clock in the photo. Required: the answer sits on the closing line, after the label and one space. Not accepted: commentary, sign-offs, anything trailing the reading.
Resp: 12:35:16
